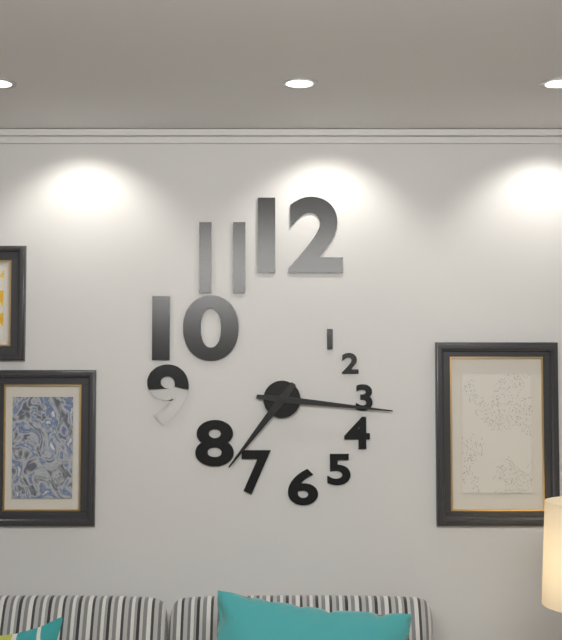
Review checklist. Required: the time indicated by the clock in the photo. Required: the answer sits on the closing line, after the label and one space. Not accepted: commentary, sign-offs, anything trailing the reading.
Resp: 7:16
